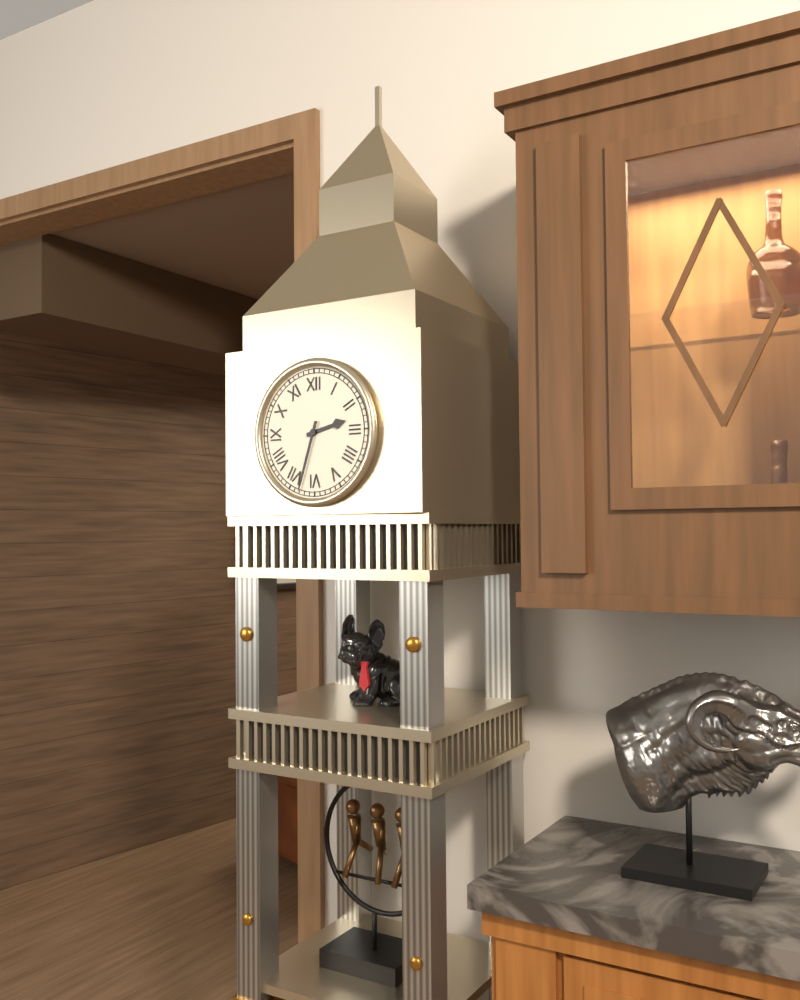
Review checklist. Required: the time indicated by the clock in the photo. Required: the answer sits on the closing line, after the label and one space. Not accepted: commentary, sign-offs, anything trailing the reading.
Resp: 2:33
